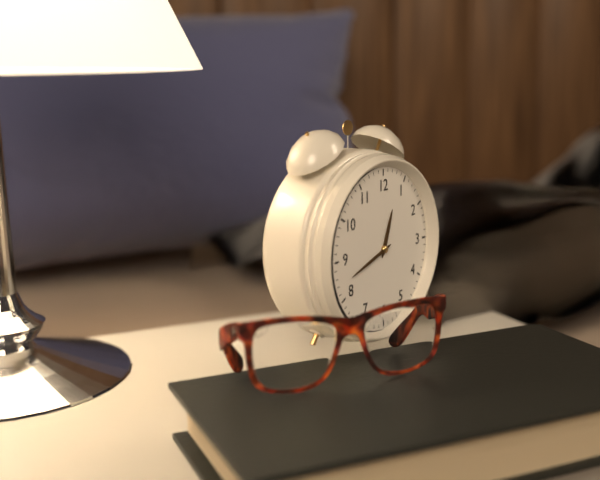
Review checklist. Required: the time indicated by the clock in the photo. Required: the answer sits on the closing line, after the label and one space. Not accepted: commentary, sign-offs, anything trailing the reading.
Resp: 12:42
